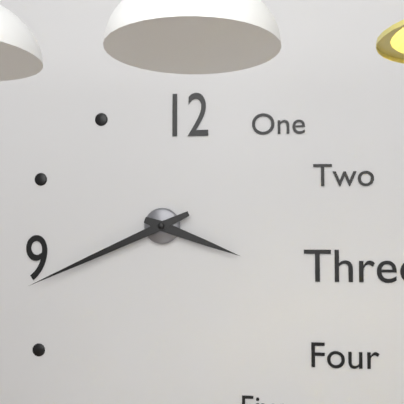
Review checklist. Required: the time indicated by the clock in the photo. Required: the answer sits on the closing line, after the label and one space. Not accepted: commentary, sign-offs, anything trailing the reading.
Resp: 3:41
